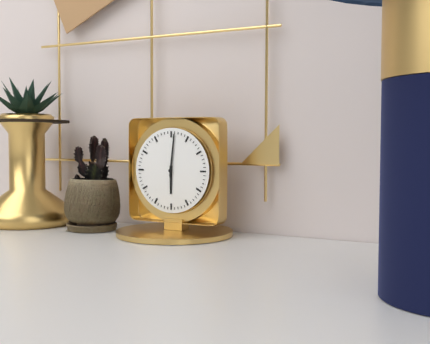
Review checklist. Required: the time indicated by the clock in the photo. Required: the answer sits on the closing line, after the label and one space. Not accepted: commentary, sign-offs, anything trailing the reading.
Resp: 6:01
